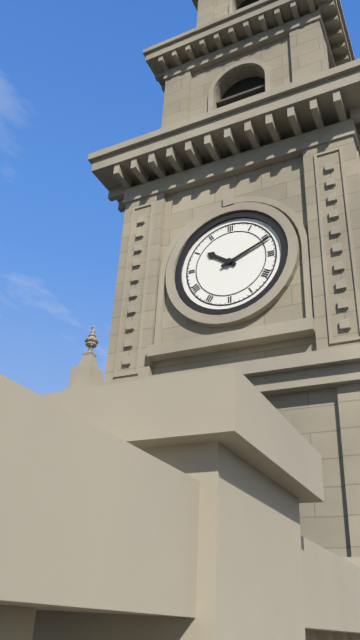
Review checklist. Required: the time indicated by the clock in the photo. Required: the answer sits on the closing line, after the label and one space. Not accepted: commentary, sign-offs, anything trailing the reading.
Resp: 10:11
